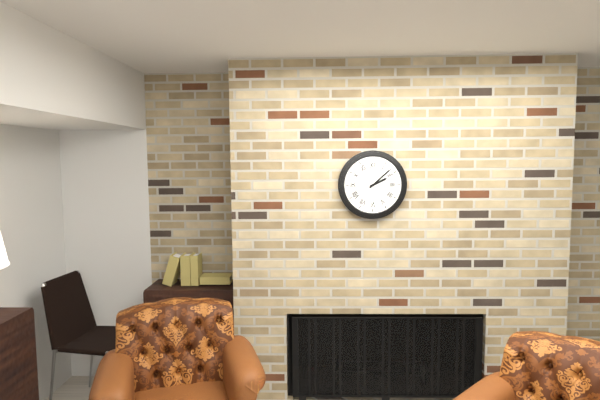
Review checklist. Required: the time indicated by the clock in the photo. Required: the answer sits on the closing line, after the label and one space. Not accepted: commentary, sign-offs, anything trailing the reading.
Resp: 2:08
